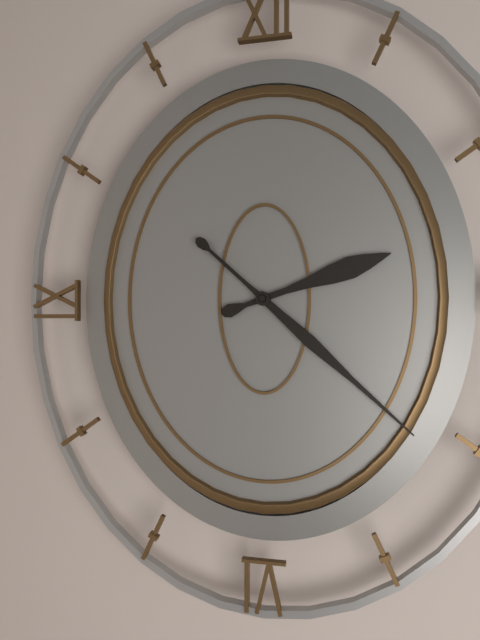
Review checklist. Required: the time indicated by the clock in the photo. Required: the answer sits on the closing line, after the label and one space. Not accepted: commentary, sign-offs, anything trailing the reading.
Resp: 2:22
